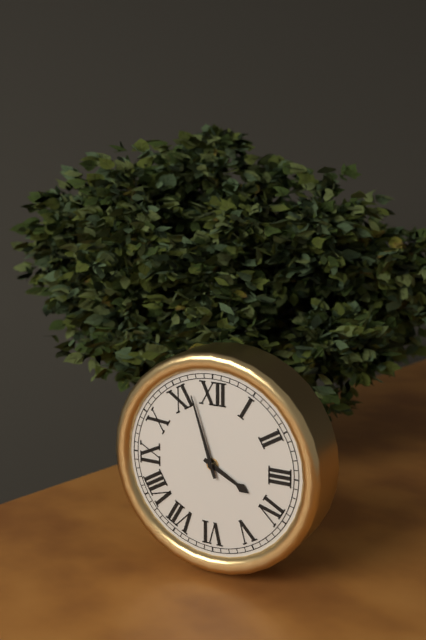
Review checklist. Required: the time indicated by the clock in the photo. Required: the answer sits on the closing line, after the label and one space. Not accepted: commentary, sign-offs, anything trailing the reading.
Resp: 3:57
